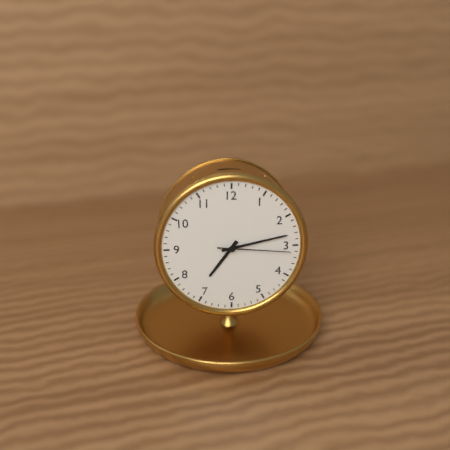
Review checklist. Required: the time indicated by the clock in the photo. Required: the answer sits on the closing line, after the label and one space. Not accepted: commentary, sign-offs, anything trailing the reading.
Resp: 7:13:16
